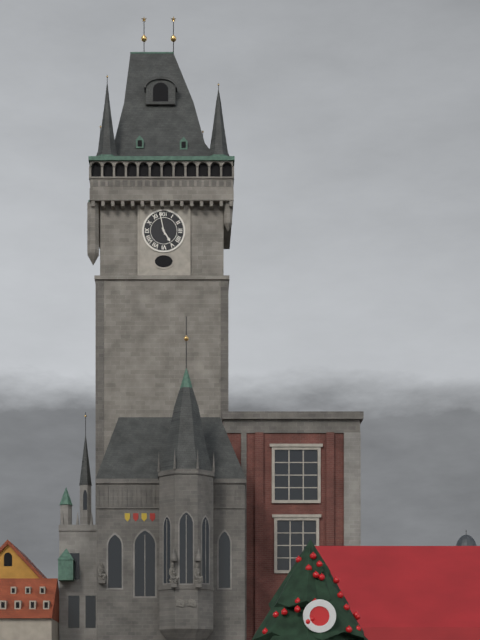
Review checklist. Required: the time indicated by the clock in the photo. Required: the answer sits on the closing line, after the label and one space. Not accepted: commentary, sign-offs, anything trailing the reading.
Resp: 4:58
